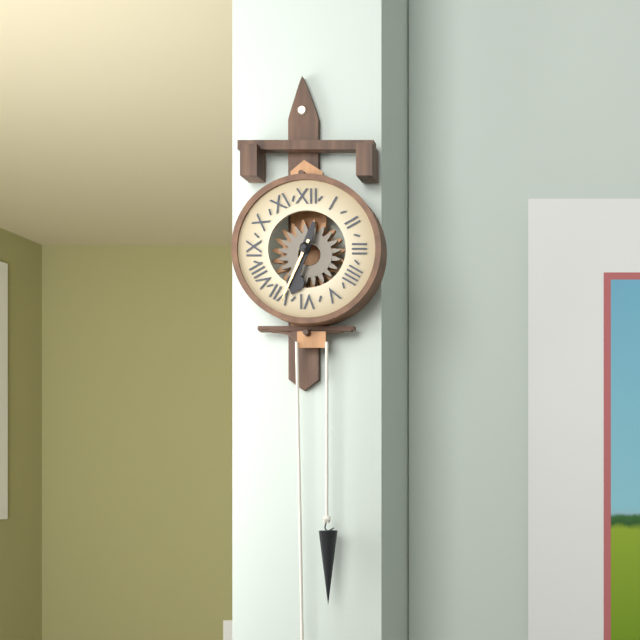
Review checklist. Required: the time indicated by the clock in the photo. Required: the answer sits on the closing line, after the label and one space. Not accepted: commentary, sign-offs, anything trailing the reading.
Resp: 6:34
